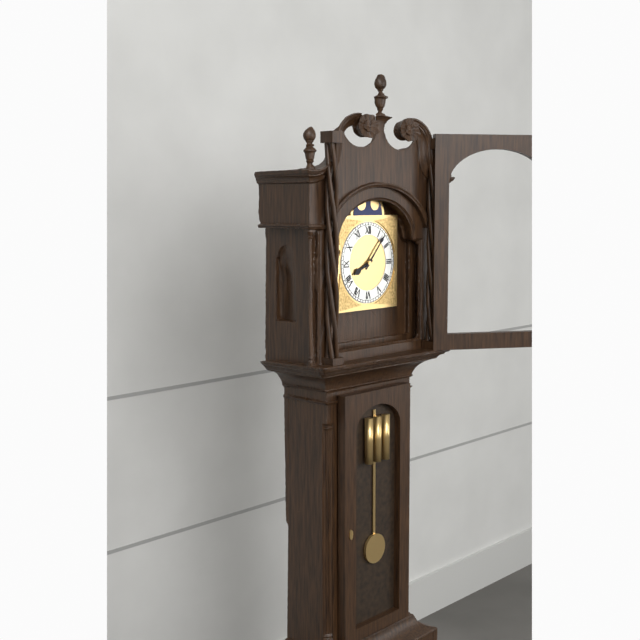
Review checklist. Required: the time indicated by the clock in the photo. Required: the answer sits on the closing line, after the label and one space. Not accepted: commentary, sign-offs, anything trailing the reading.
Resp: 8:07
